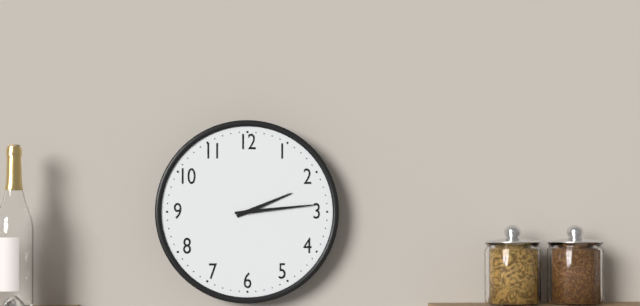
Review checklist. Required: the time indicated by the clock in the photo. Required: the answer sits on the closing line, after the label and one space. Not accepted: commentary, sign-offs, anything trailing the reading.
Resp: 2:14
